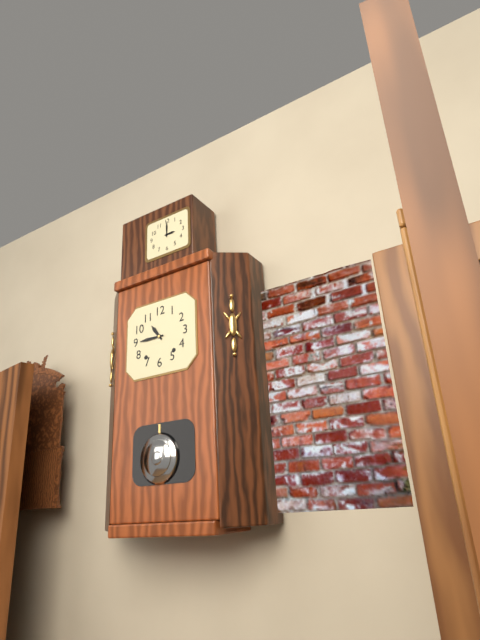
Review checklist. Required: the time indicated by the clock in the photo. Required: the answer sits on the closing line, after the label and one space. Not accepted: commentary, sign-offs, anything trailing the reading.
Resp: 10:45
